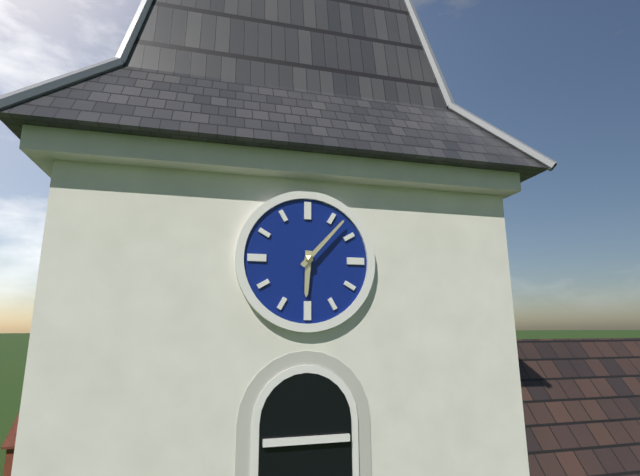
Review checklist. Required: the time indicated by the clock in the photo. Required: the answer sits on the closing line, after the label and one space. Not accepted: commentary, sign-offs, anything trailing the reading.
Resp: 6:07
